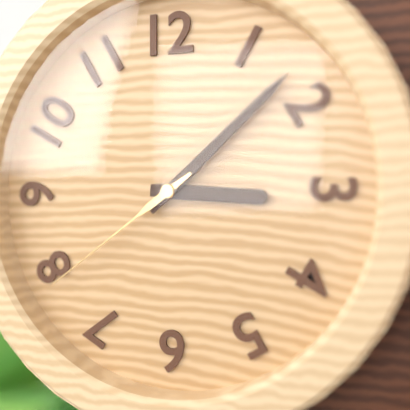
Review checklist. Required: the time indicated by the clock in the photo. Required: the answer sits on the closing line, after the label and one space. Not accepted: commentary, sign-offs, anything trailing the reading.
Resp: 3:08:39
